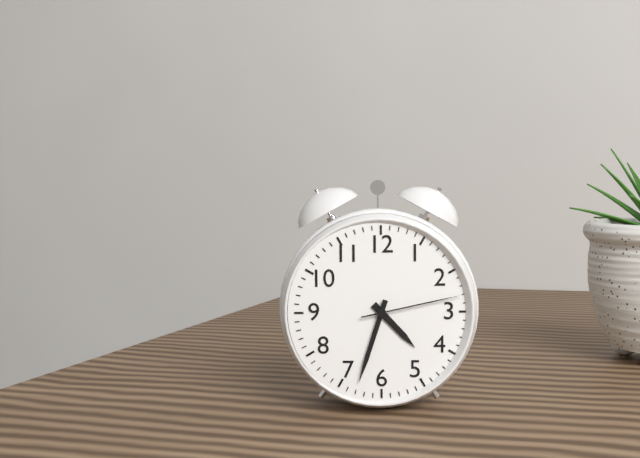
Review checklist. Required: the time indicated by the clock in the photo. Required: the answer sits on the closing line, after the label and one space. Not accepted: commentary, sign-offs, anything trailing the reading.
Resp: 4:33:13
